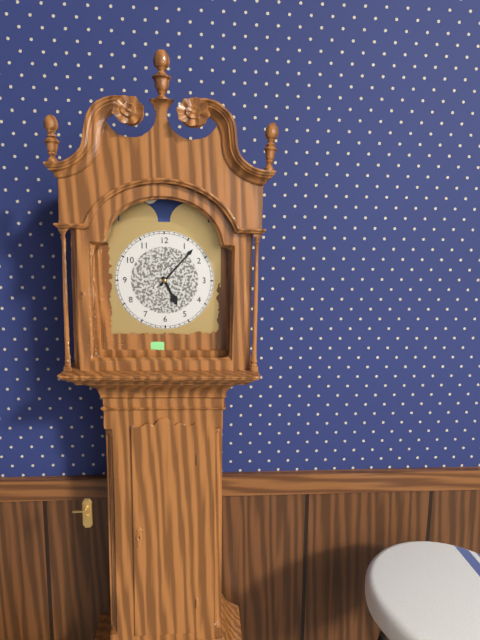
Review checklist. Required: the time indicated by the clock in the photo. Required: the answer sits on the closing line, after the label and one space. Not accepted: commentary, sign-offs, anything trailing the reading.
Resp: 5:07
